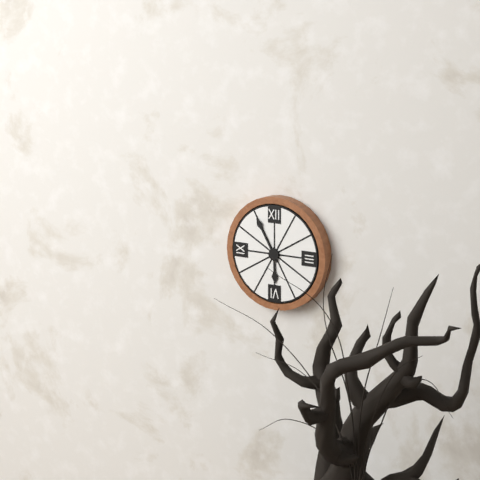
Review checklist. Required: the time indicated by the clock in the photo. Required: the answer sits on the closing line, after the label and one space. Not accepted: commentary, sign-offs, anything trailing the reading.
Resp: 5:55
